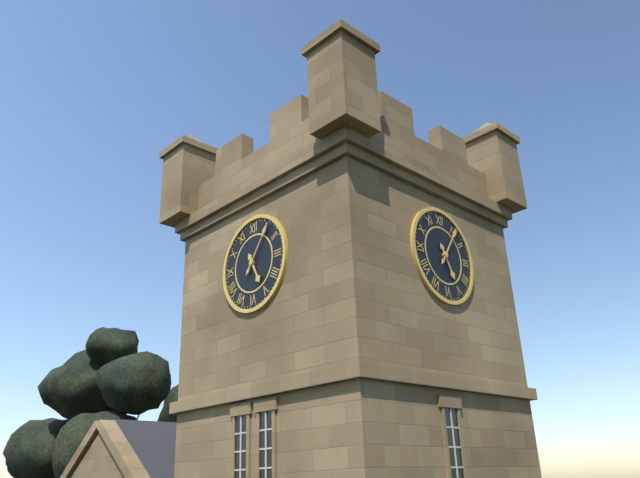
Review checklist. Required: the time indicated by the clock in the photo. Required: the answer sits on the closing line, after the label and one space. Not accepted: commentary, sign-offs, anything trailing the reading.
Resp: 5:06
